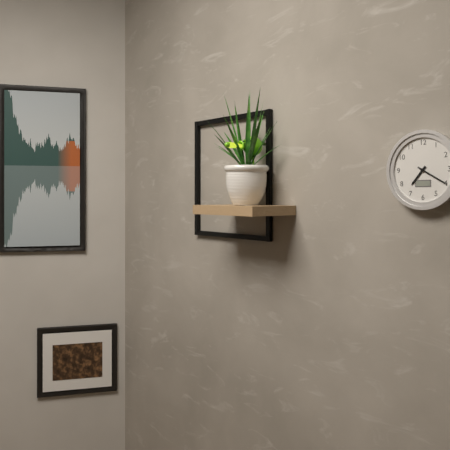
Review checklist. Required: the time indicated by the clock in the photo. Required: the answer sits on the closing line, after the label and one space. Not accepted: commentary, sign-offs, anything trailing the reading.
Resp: 7:20
